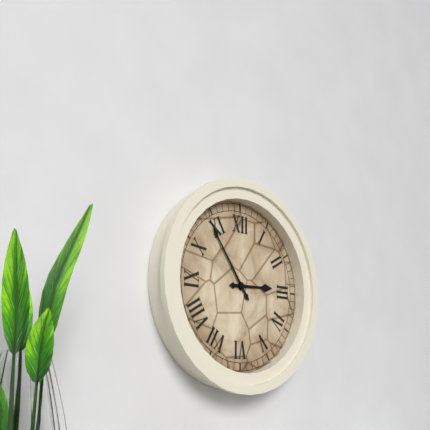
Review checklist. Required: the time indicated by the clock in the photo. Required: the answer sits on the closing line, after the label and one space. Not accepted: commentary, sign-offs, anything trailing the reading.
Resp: 2:54
